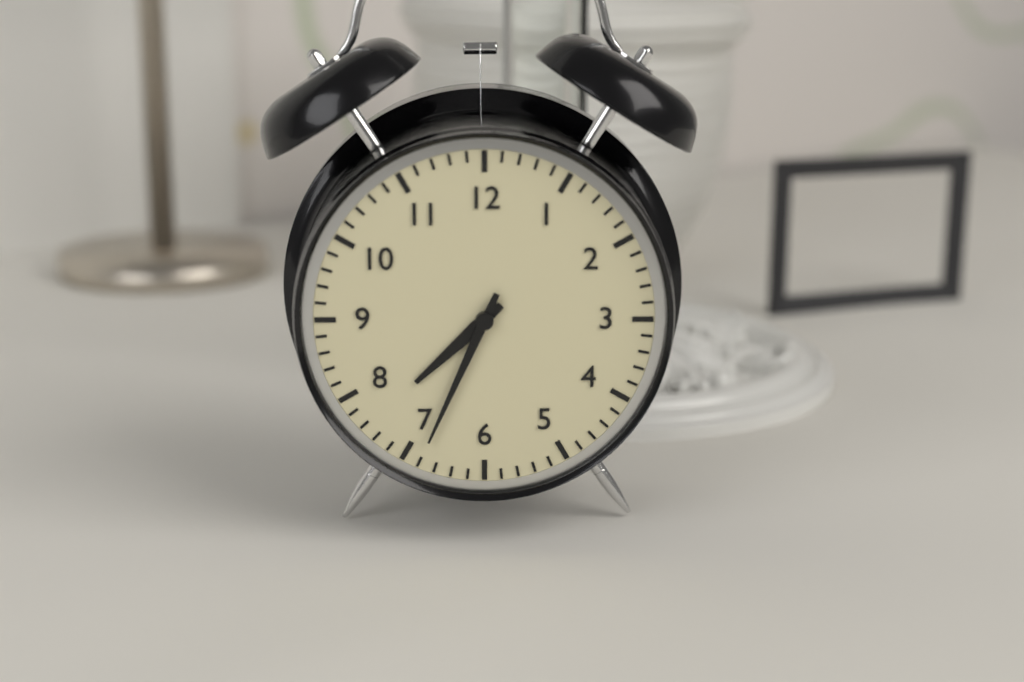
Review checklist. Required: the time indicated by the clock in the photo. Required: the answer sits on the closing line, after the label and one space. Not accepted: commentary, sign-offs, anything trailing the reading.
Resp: 7:34
